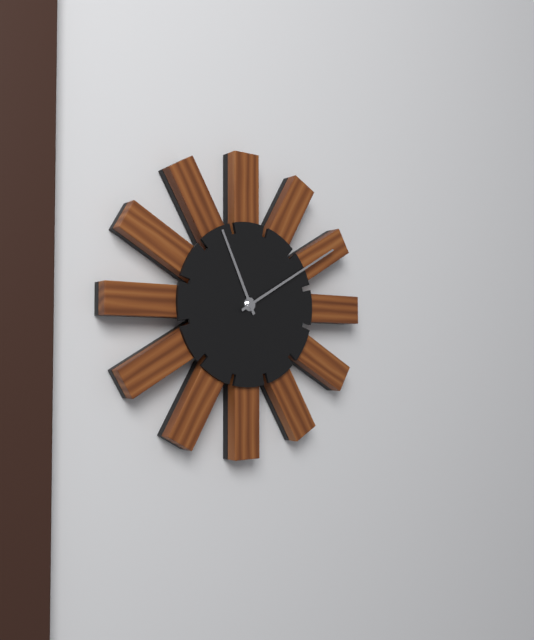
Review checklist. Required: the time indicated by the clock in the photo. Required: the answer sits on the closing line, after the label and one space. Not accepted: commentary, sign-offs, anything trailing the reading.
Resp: 11:10
